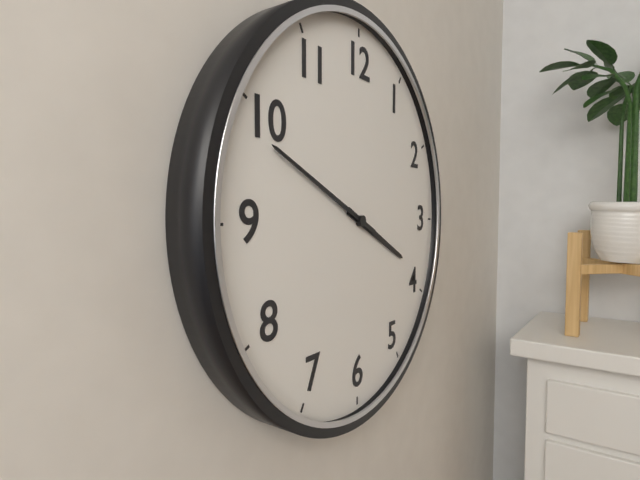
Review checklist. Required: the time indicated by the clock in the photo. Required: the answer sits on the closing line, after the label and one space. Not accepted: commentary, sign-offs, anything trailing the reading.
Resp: 3:49
